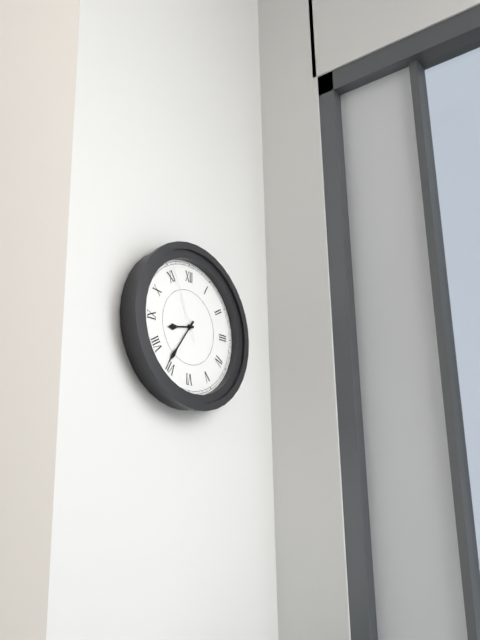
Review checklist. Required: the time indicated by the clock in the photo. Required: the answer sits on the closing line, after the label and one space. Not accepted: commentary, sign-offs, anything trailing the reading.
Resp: 8:36:56
